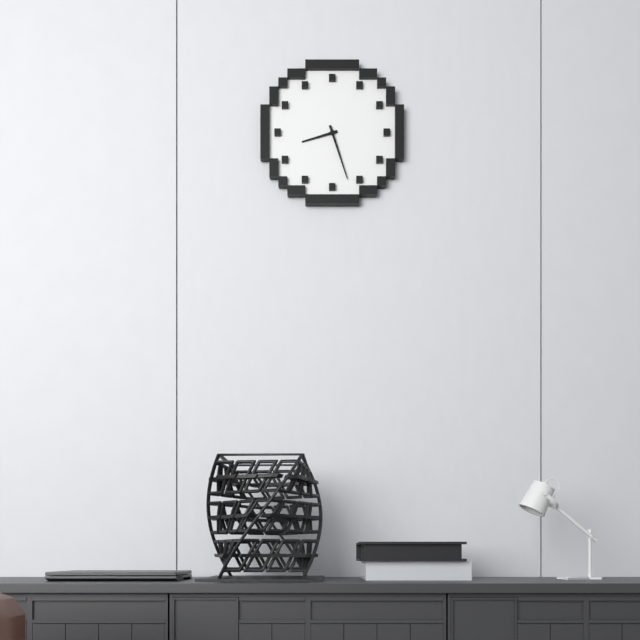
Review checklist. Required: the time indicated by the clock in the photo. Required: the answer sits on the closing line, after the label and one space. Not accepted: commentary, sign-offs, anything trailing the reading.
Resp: 8:27
